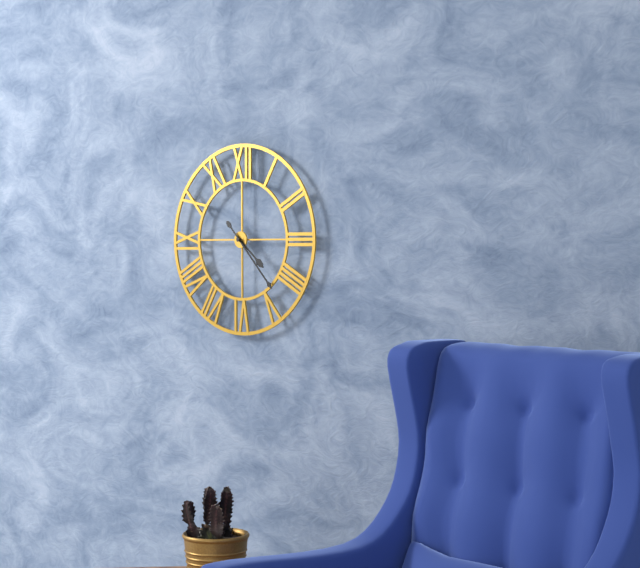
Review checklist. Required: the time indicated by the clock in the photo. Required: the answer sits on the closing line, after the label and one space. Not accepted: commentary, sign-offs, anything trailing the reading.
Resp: 4:23
